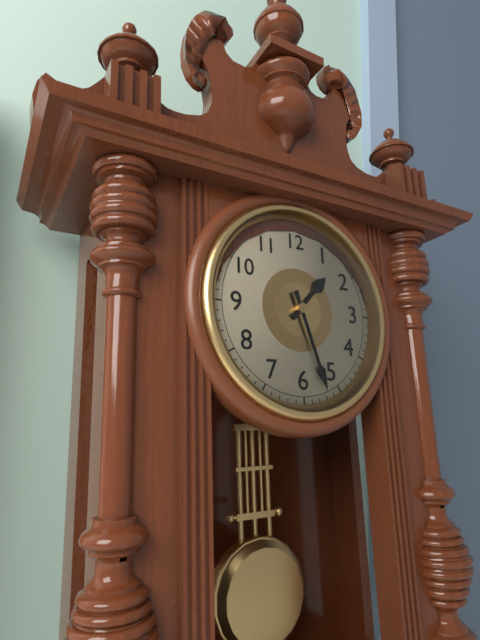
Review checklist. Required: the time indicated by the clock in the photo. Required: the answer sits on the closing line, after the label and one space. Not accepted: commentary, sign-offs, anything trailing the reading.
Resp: 1:27
